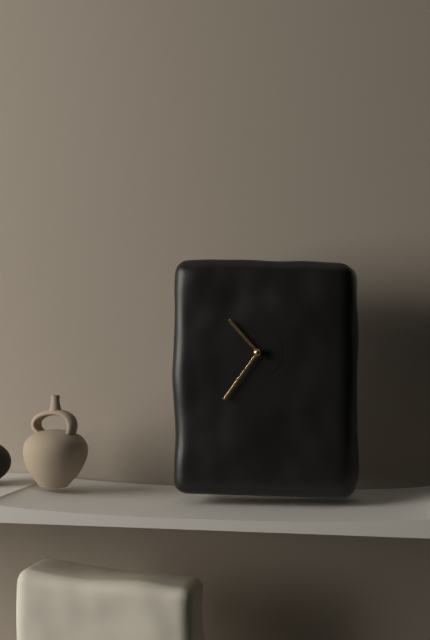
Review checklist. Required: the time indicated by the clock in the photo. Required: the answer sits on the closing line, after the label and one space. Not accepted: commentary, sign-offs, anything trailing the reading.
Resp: 10:36
